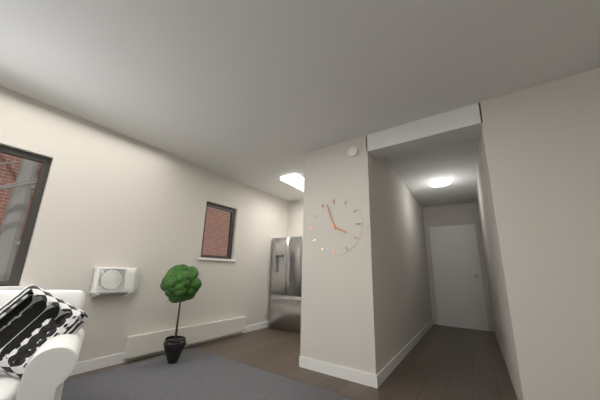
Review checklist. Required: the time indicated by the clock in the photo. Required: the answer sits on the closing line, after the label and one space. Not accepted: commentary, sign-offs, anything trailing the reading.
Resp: 3:57
